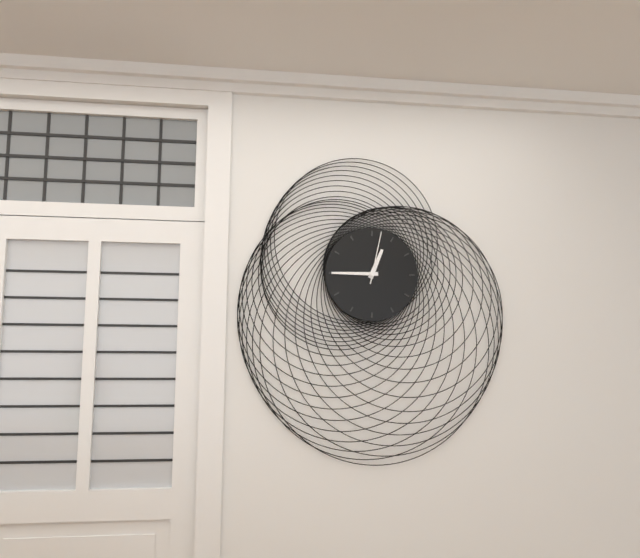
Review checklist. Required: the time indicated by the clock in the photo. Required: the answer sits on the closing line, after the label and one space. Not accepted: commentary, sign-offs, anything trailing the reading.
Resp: 12:45:02
